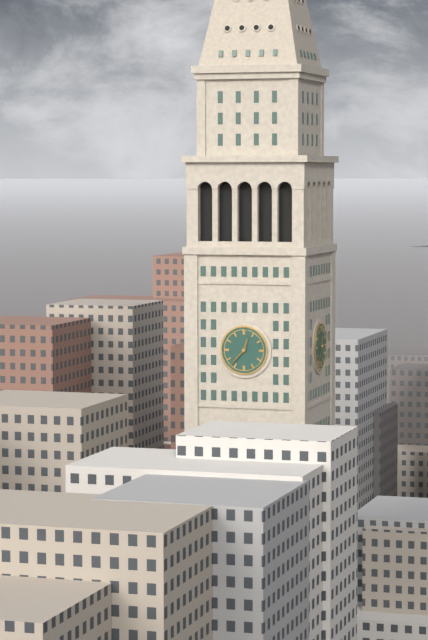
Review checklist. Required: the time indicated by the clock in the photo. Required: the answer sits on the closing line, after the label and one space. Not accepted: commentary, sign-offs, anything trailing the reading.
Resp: 12:37
